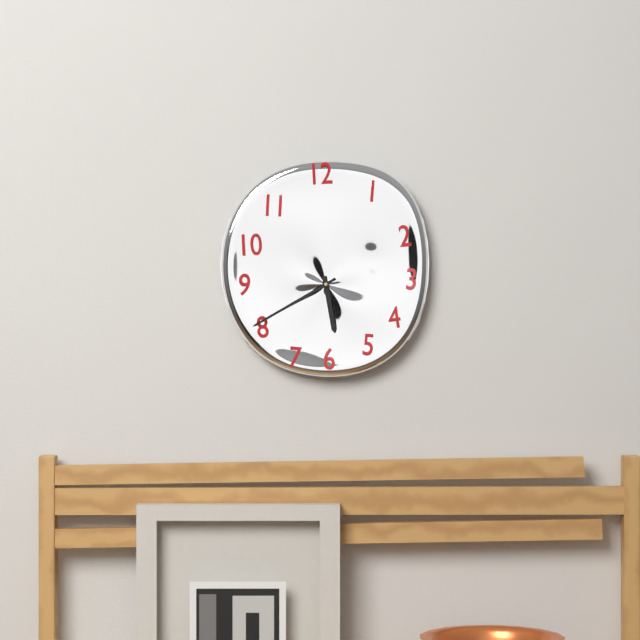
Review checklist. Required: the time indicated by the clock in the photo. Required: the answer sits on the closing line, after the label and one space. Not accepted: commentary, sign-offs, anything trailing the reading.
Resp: 5:40
